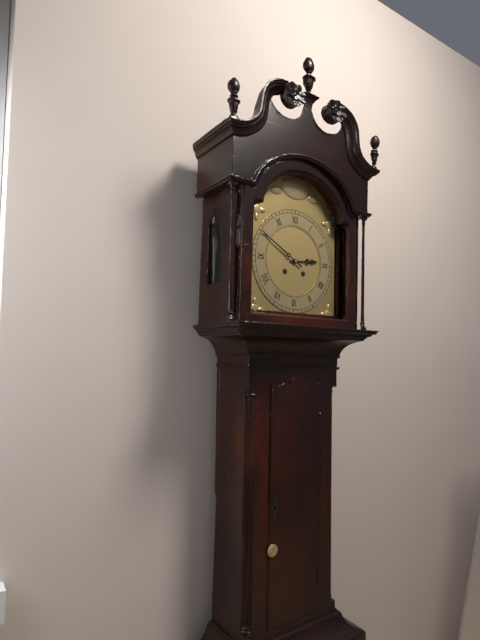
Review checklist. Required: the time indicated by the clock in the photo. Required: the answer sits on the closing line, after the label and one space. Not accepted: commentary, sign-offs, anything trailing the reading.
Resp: 2:50
